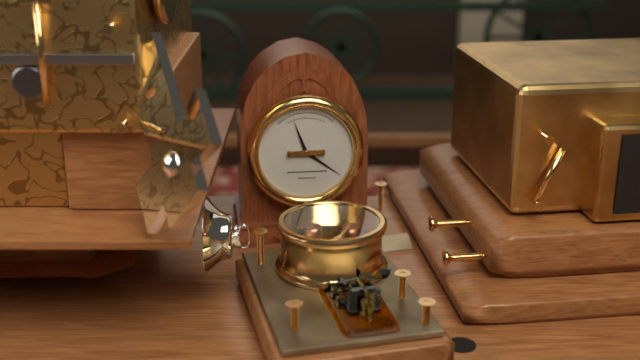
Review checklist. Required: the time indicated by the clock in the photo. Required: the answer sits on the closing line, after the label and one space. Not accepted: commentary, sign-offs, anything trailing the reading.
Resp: 11:21
